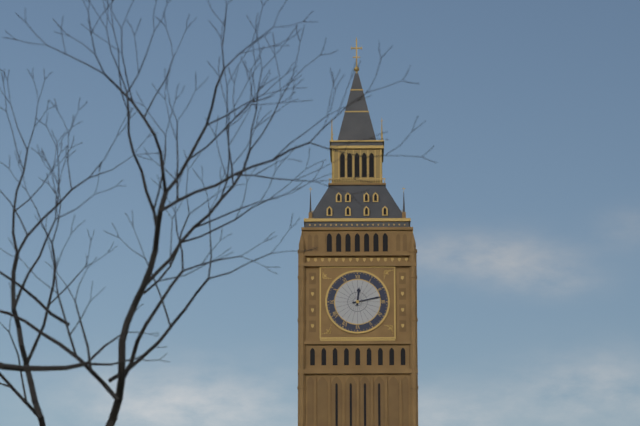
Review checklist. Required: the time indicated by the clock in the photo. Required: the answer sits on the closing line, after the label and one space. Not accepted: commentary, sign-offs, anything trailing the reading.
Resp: 12:13
